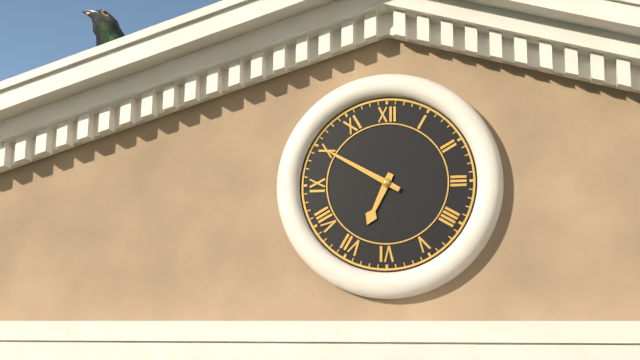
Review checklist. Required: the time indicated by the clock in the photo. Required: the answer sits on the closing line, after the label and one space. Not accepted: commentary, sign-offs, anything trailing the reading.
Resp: 6:50
